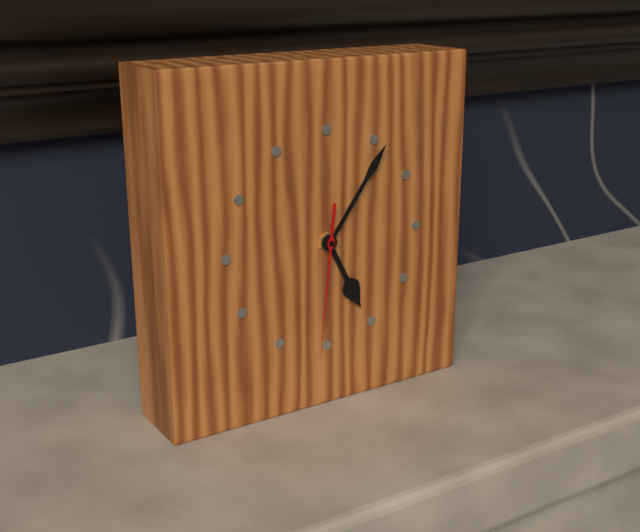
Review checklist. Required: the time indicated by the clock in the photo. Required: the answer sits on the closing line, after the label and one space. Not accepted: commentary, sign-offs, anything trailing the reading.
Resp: 5:06:31
